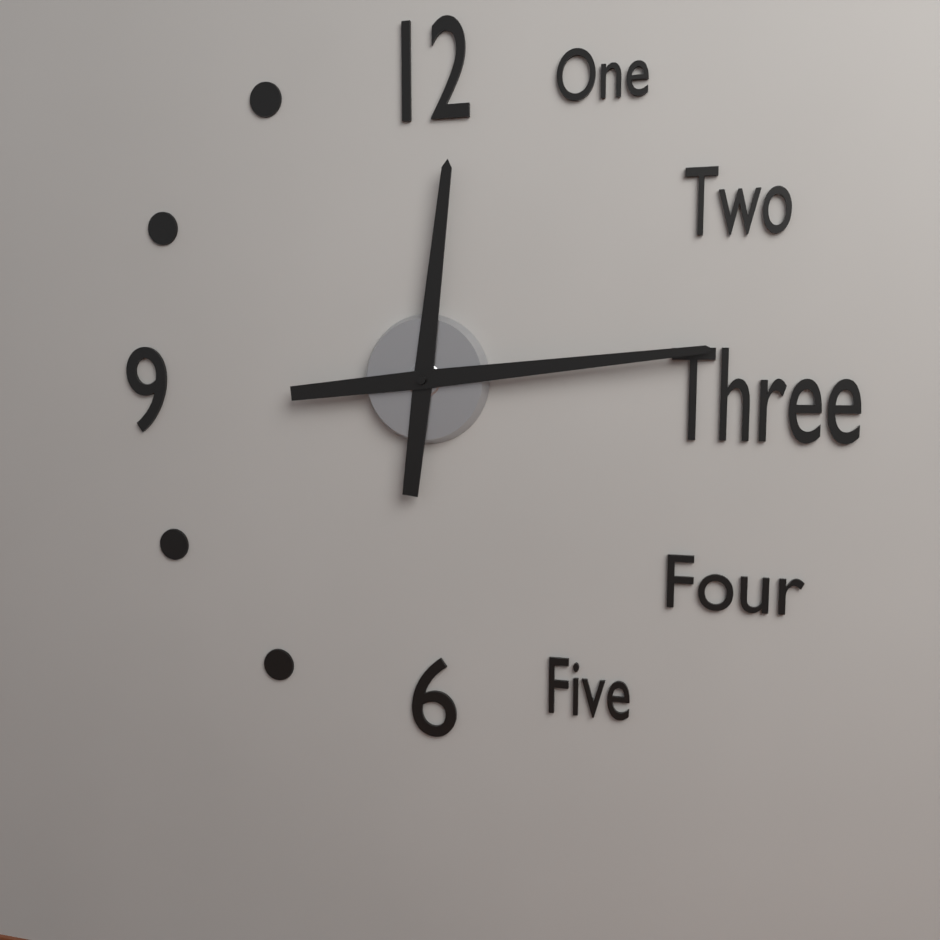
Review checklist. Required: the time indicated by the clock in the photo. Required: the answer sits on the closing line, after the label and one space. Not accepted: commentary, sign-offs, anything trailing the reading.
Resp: 12:14
